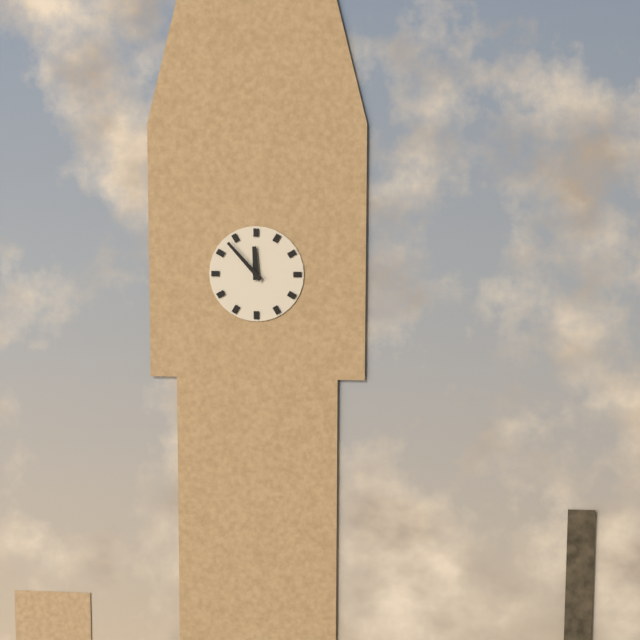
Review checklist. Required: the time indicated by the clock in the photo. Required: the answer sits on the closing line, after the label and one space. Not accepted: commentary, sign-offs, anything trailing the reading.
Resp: 11:53
